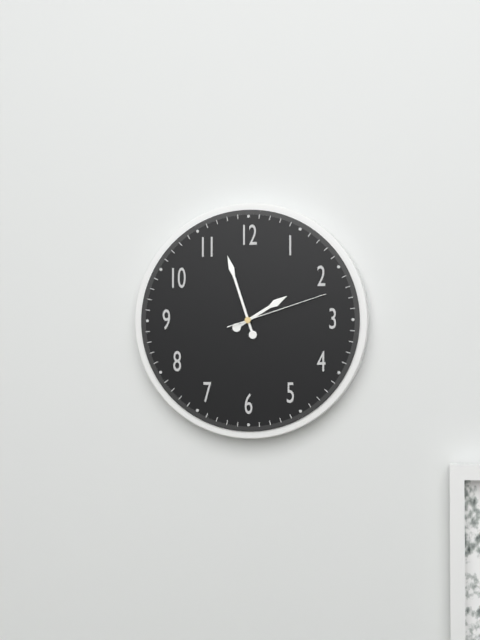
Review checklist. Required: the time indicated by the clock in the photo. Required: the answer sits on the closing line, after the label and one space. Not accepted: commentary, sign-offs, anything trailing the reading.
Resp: 1:57:12
